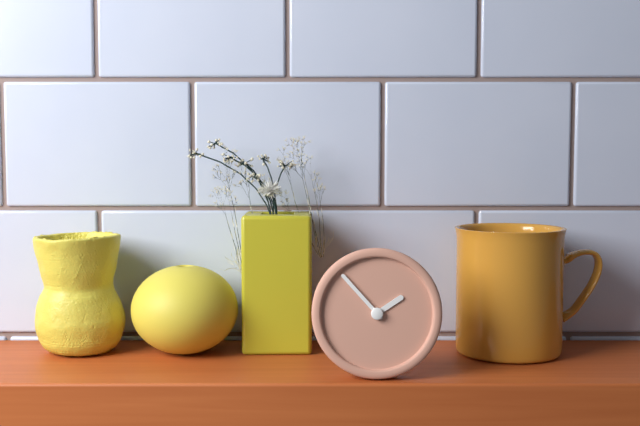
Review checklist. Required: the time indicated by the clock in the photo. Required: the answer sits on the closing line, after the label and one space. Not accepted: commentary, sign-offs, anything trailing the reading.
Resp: 1:53
